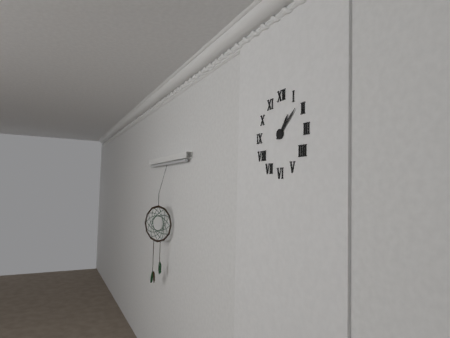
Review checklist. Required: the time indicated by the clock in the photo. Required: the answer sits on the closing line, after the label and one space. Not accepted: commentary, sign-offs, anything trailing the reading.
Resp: 1:08
